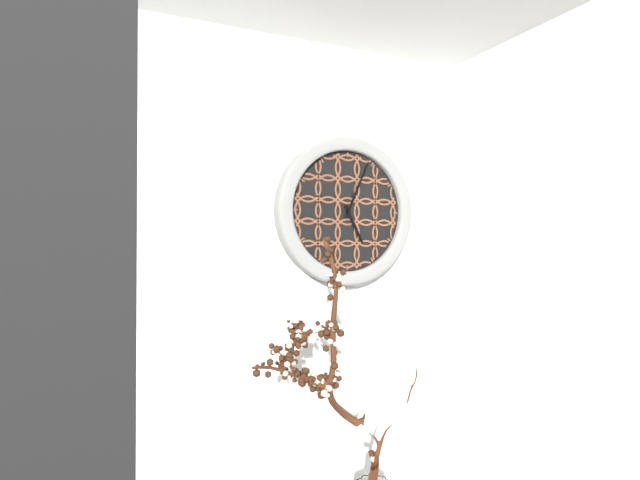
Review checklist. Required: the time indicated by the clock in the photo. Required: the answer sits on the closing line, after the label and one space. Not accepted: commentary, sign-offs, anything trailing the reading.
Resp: 5:04
